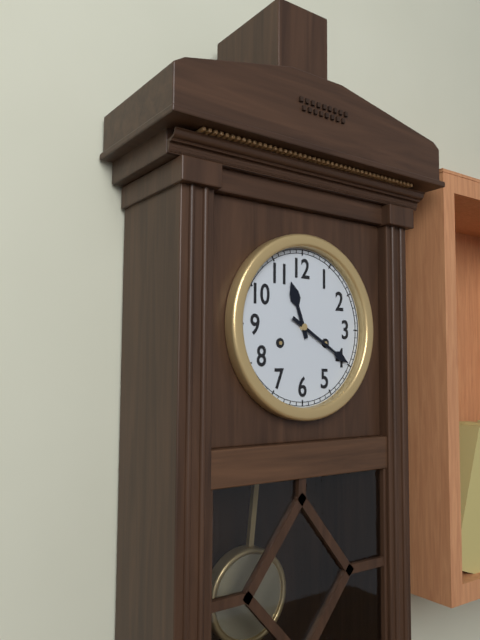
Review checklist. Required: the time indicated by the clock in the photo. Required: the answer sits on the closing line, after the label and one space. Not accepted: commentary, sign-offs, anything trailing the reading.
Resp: 11:20
